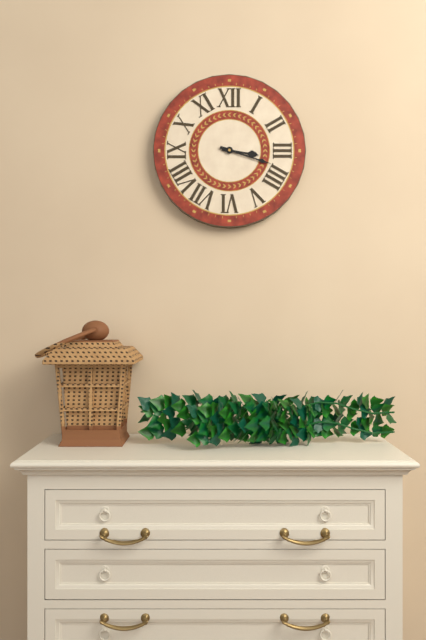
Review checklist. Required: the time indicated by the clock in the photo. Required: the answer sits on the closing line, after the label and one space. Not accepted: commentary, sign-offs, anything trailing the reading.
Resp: 3:18
